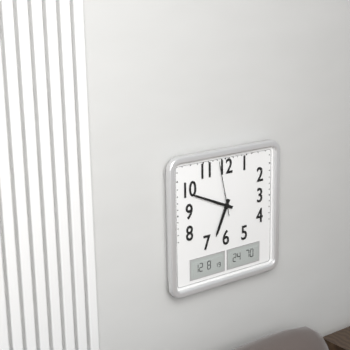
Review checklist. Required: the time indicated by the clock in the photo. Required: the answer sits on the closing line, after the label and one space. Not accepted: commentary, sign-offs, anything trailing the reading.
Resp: 6:49:58
